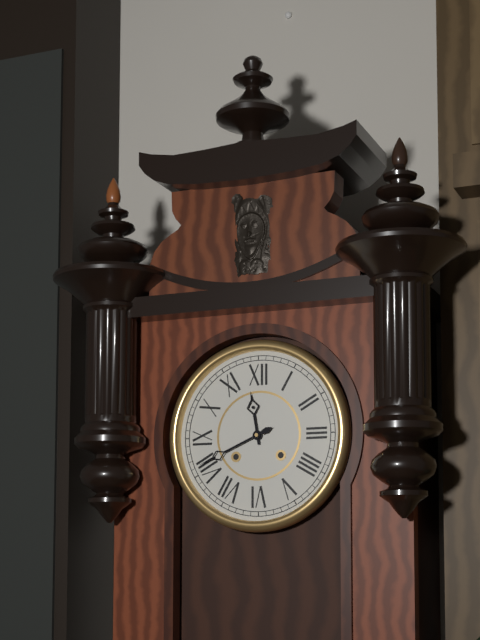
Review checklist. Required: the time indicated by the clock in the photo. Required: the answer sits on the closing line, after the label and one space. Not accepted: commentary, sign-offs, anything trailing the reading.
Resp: 11:41
